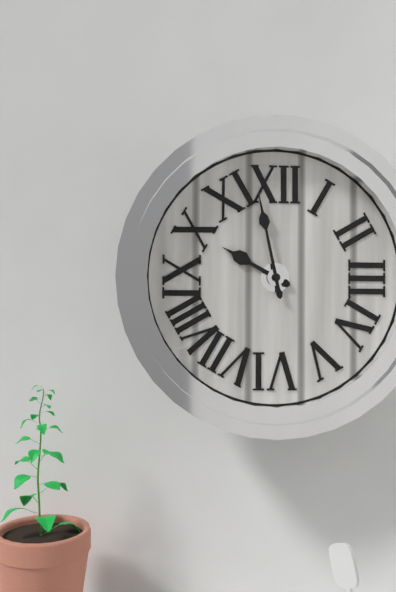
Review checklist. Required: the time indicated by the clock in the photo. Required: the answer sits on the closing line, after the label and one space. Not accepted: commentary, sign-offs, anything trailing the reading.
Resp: 9:58
